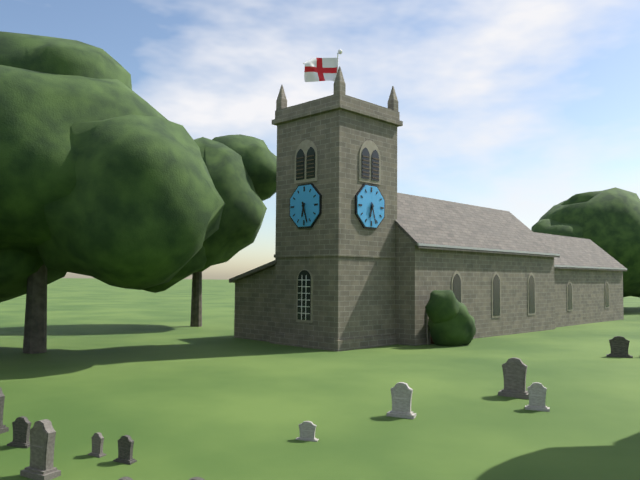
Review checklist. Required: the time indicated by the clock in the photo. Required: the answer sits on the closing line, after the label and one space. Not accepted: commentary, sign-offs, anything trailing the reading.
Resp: 6:27
